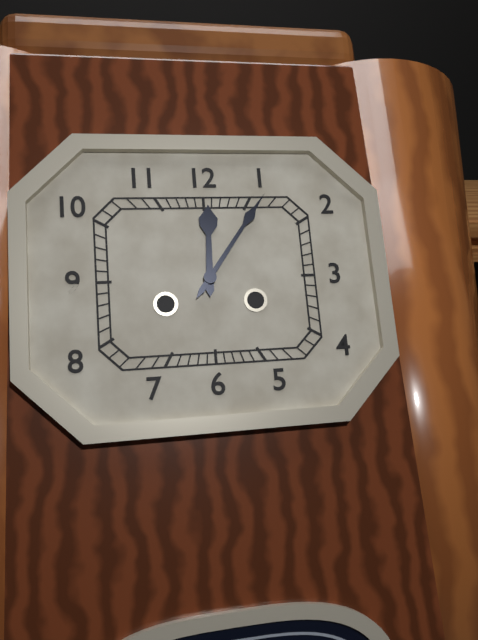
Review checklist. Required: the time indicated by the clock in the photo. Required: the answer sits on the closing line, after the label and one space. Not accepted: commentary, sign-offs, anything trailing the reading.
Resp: 12:06
